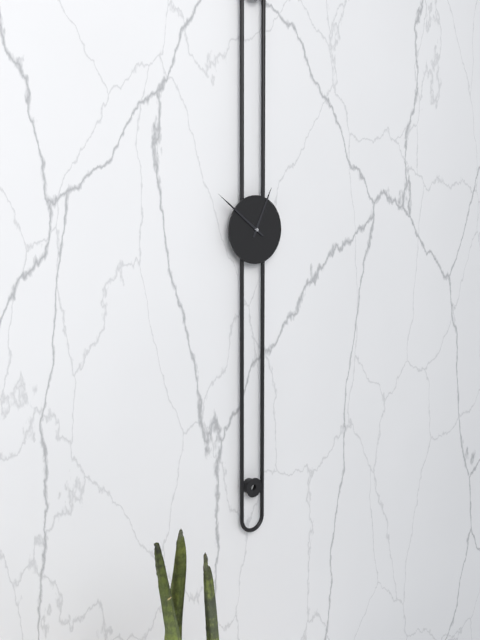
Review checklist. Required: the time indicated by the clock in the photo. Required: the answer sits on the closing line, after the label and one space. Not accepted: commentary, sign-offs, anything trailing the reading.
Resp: 12:51
